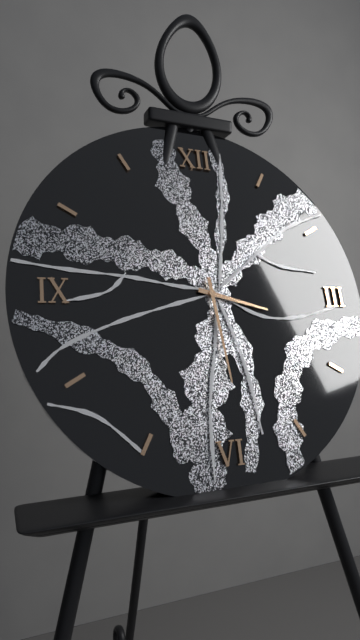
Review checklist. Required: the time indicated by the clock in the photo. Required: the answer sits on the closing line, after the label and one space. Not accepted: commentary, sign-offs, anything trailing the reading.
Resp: 3:29
